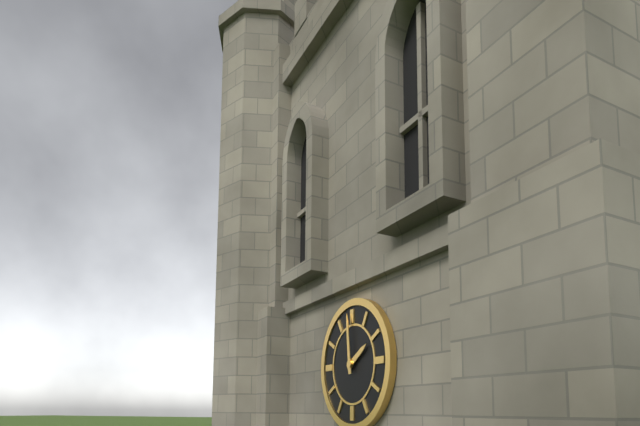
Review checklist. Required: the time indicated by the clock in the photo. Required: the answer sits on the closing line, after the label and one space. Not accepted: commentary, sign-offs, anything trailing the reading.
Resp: 1:59
